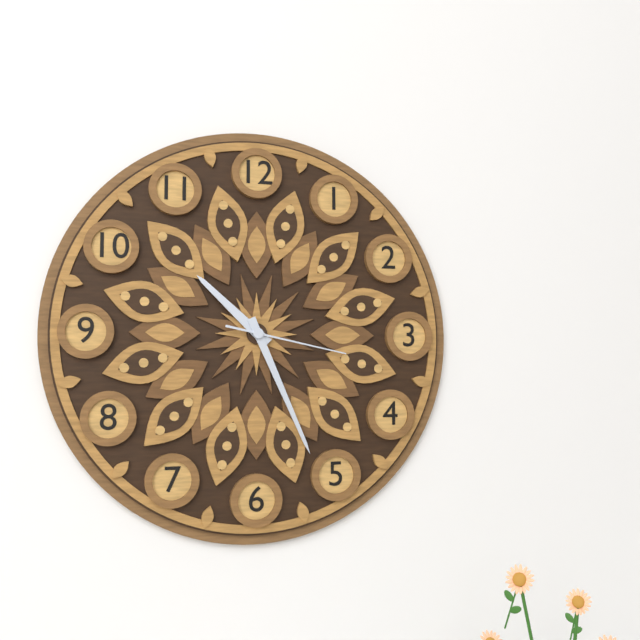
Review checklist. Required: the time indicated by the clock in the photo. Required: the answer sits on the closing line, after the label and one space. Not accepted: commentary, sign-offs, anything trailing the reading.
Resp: 10:26:17
